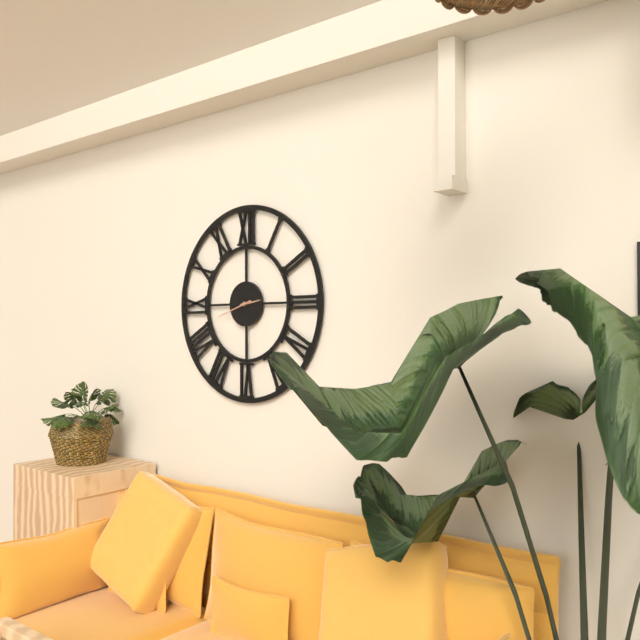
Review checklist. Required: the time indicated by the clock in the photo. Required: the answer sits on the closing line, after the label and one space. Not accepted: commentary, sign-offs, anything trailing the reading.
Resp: 2:42
